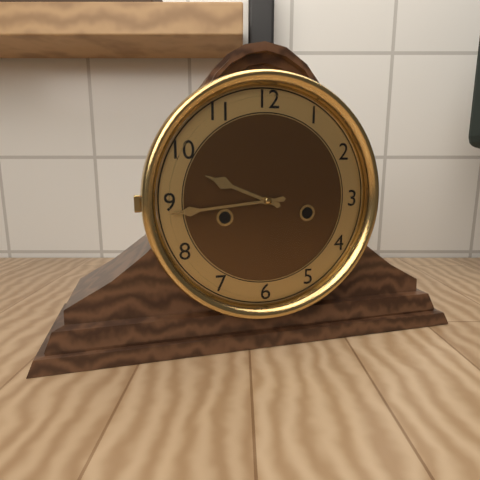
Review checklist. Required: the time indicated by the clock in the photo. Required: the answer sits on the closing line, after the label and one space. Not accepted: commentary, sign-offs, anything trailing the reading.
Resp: 9:44
